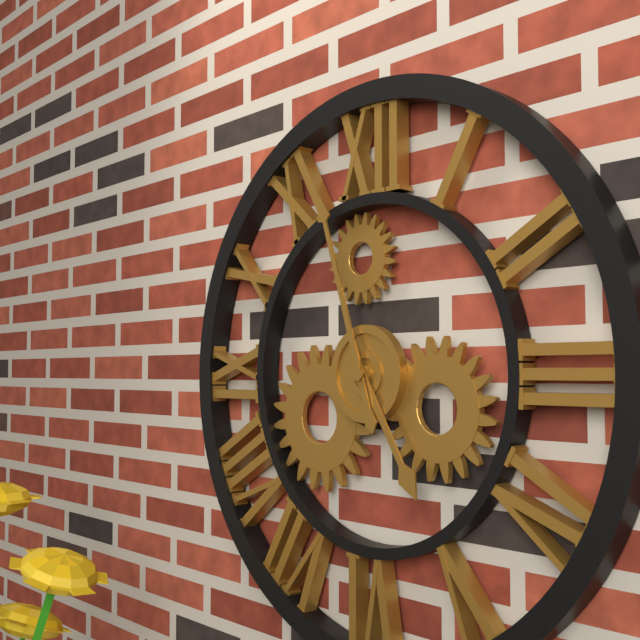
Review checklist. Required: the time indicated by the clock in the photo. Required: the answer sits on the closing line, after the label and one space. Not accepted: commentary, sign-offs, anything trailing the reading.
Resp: 4:57
